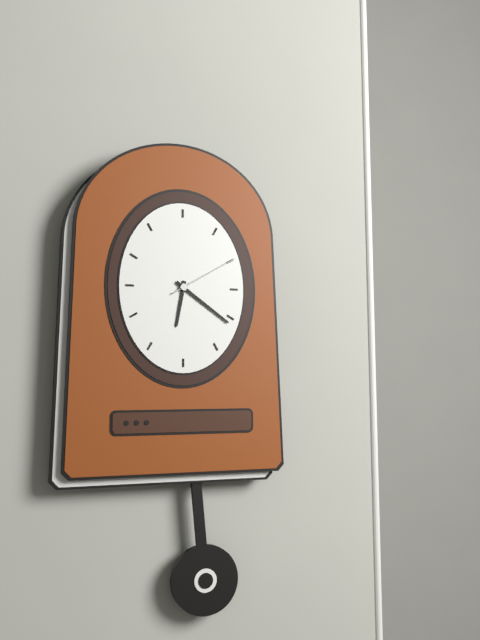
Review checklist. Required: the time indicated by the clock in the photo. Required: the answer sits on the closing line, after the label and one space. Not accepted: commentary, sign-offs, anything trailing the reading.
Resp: 6:21:10
